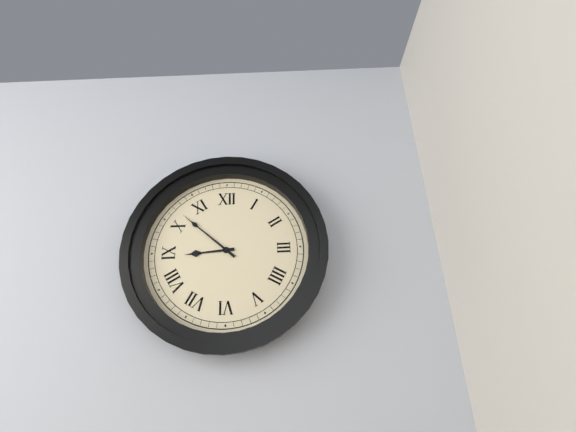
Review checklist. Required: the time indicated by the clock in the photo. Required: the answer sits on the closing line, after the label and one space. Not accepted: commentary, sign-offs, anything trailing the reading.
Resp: 8:52
